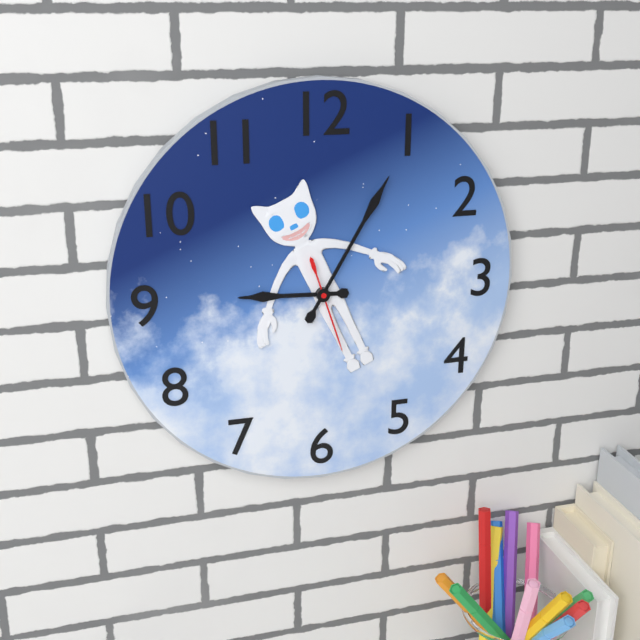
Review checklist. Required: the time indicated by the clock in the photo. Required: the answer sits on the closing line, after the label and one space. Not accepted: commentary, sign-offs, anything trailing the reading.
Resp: 9:05:27
